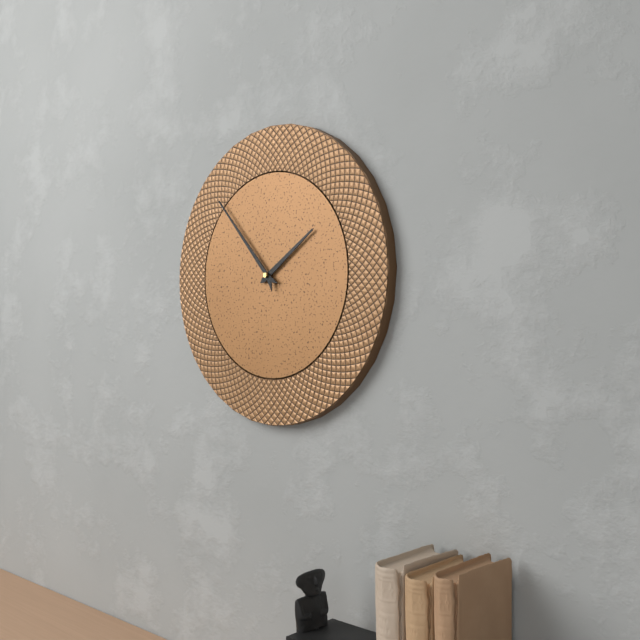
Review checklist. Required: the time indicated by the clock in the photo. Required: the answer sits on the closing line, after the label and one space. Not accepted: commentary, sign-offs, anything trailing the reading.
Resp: 1:53
